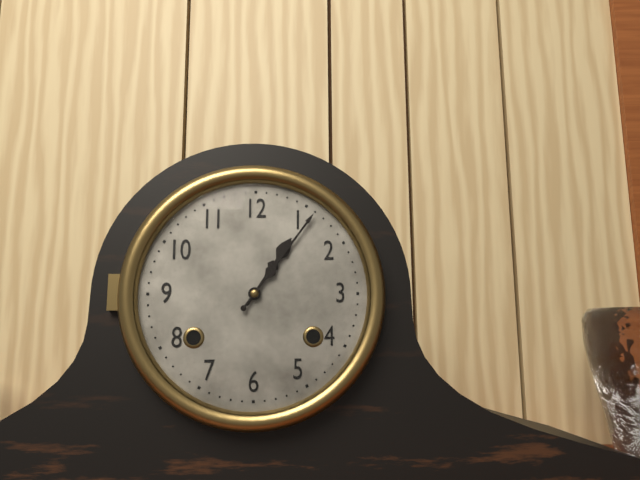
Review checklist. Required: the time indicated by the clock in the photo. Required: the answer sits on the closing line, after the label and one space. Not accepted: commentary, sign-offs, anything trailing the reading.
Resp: 1:06
